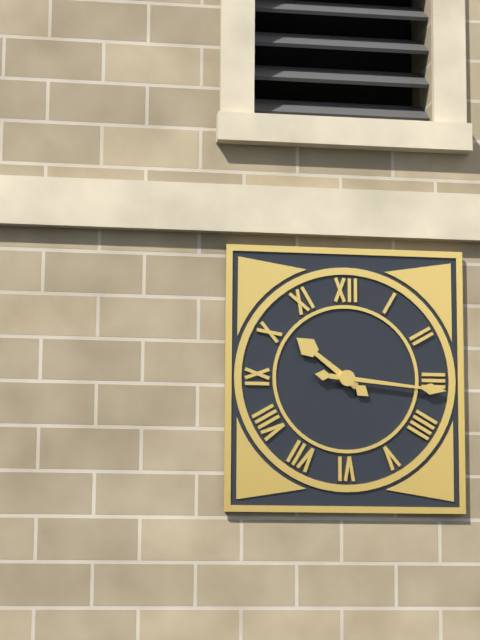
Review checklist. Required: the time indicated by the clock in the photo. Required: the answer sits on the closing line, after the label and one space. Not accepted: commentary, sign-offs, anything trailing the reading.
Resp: 10:16
